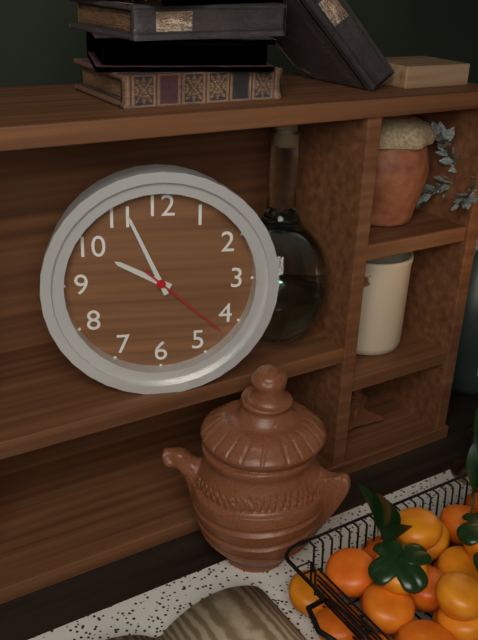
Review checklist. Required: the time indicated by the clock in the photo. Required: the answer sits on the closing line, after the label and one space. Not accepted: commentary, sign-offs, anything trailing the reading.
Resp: 9:56:22
